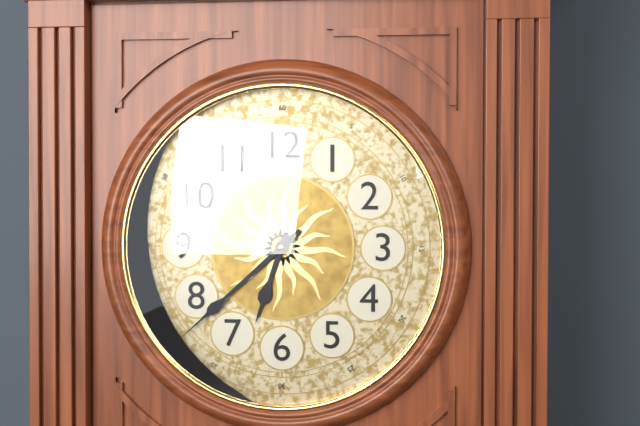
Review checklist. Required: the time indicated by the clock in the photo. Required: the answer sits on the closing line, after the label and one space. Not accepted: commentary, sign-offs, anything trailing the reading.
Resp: 6:38
